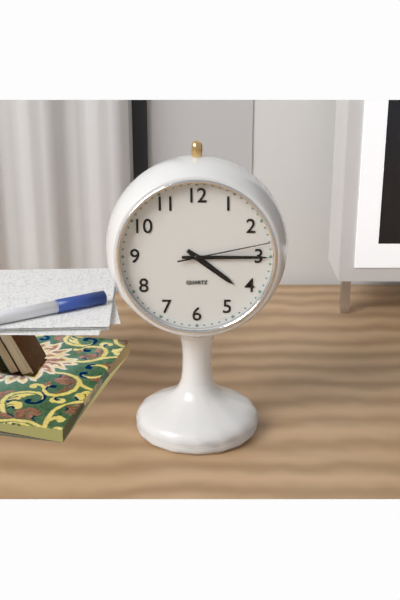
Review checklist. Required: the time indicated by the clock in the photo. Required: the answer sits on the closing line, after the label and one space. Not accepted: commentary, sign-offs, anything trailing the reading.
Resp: 4:15:13
